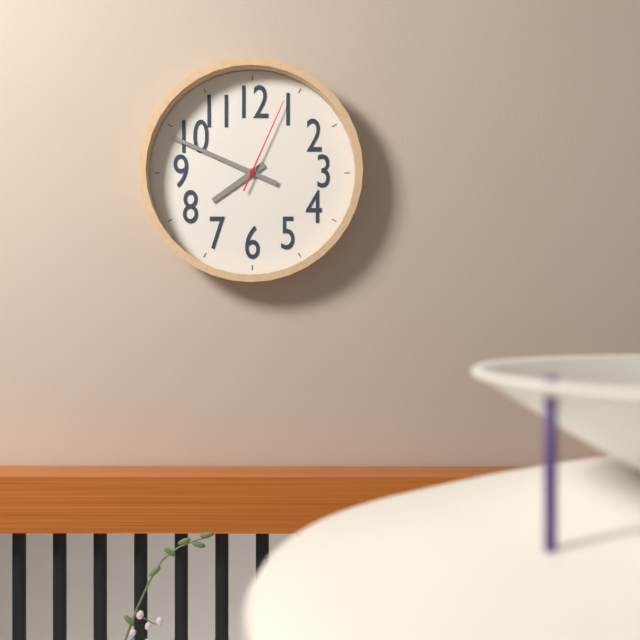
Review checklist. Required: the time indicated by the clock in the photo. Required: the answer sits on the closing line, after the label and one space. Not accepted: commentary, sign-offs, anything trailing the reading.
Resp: 7:49:04
